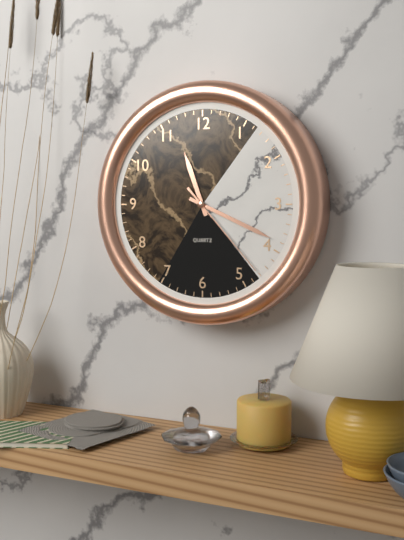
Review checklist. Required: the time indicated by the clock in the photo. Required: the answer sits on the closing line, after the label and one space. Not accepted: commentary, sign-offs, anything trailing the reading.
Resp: 11:19:23
